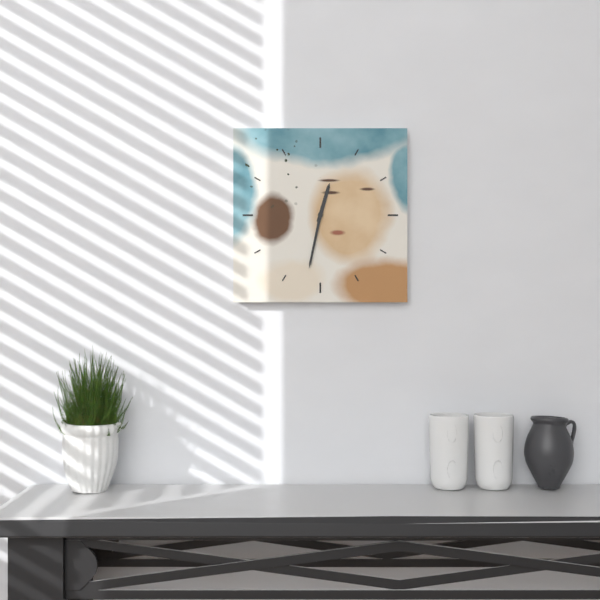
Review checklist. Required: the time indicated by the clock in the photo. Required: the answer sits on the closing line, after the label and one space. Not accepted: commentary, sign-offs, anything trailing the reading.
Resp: 12:32
